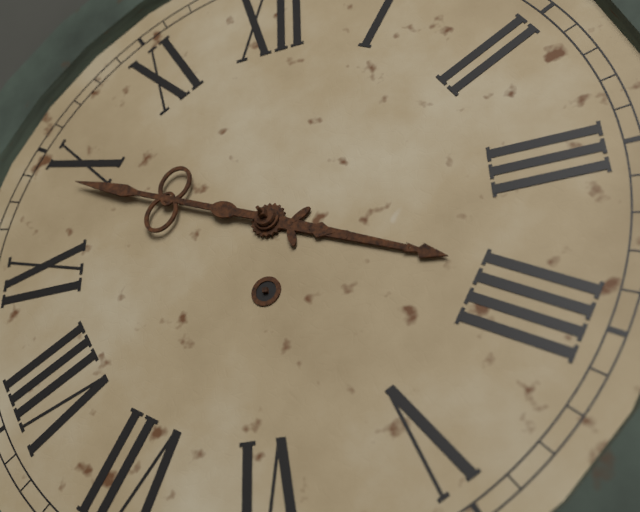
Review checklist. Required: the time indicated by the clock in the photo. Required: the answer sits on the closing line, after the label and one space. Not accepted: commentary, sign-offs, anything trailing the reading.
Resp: 3:49
